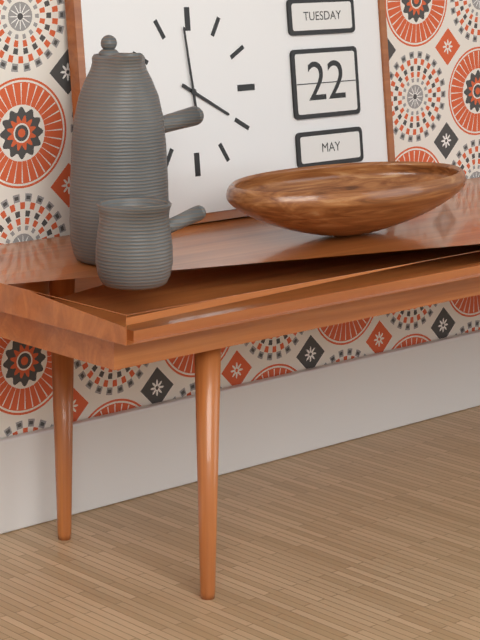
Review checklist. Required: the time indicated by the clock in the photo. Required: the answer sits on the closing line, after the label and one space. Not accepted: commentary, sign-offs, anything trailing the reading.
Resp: 3:59
